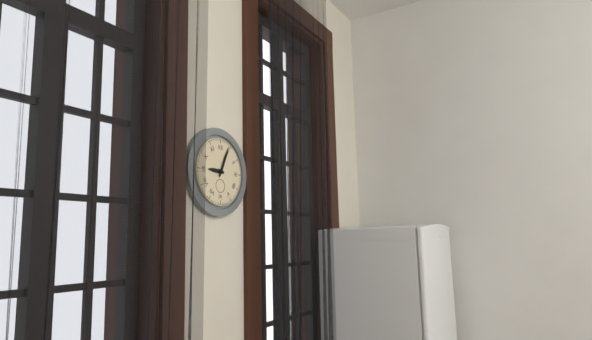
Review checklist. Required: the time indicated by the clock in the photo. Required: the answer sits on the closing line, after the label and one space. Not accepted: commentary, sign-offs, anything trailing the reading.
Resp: 9:04
